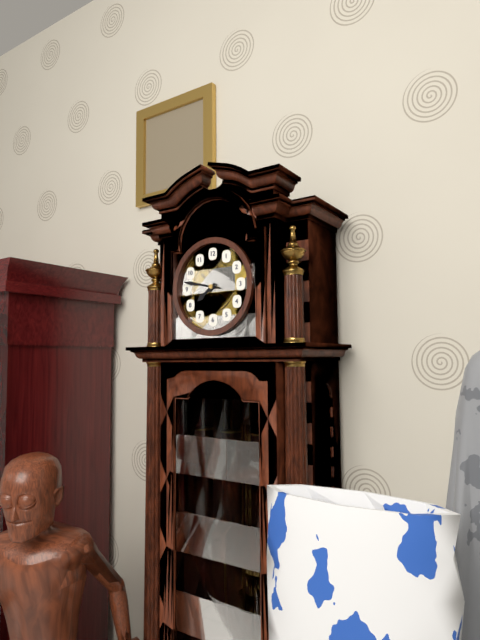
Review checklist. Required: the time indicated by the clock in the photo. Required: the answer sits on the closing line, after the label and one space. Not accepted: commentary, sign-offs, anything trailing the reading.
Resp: 7:47
